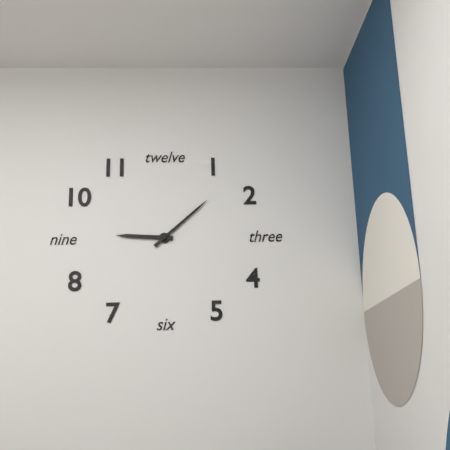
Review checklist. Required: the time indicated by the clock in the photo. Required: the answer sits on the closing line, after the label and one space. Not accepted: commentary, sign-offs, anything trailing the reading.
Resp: 9:08
